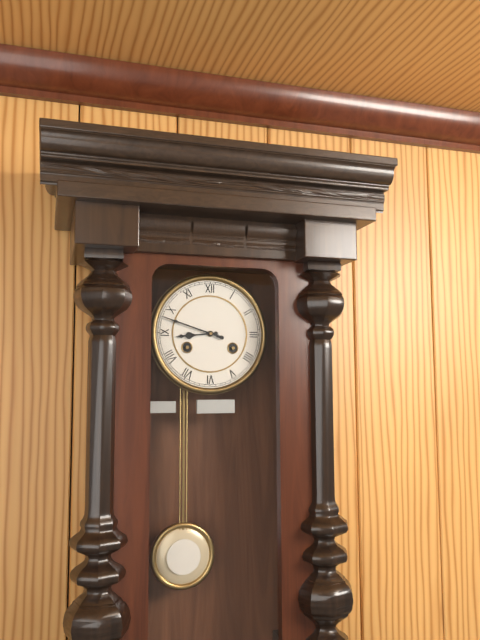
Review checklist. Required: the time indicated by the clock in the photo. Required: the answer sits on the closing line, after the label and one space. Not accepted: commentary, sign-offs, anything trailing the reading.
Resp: 8:48
